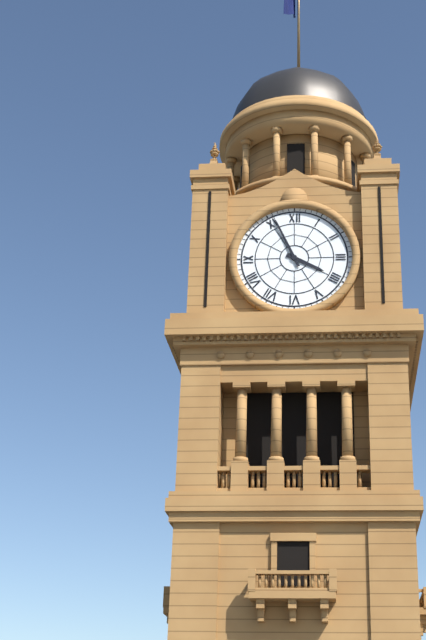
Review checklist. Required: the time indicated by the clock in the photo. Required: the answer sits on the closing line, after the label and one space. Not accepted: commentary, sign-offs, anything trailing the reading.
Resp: 3:56
